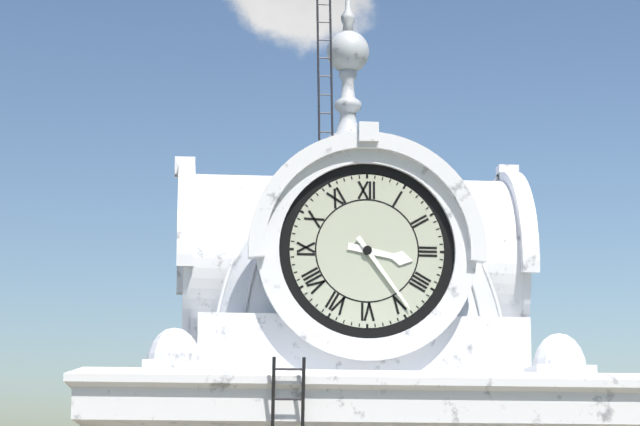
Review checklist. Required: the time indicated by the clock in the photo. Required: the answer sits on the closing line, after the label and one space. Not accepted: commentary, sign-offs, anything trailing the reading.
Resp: 3:24
